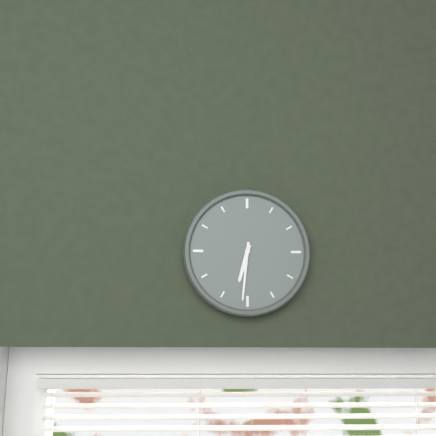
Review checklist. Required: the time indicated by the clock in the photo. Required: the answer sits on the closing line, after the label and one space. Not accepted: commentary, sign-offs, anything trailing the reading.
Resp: 6:31
